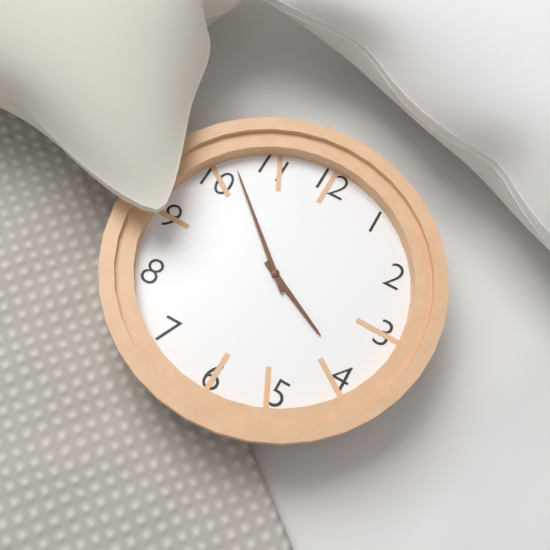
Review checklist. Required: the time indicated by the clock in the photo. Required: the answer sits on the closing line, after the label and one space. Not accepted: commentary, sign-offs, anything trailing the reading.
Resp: 3:52
